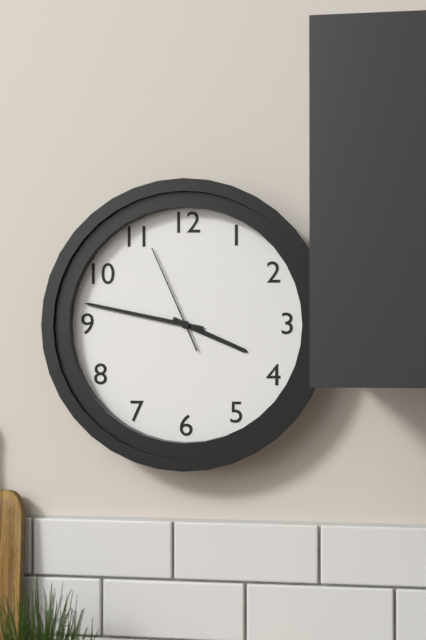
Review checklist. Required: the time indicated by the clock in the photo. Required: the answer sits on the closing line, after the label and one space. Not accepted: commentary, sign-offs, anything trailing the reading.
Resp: 3:47:56
